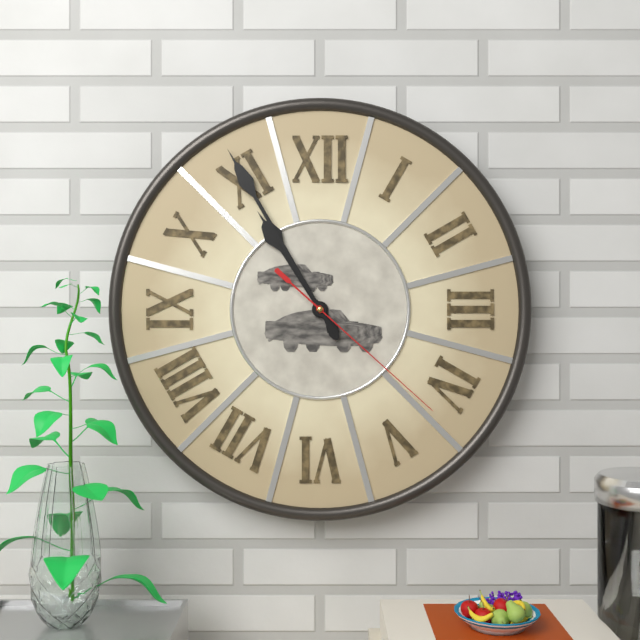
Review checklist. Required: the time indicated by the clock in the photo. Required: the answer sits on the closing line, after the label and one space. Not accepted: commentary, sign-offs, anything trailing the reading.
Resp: 10:55:22
